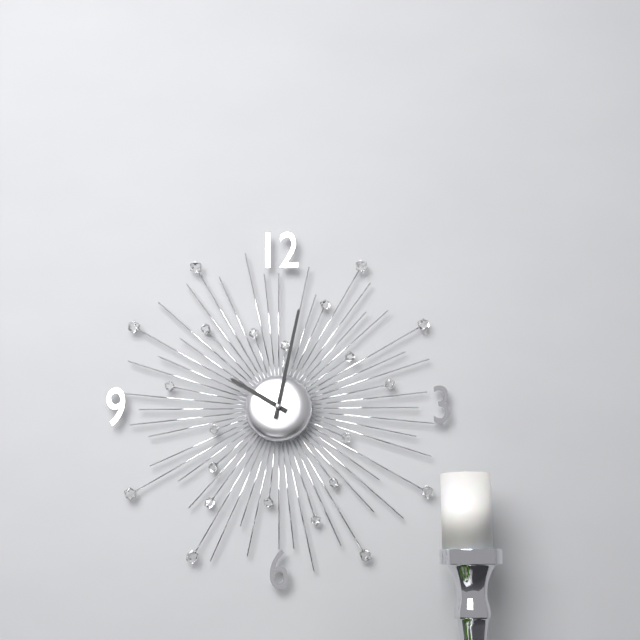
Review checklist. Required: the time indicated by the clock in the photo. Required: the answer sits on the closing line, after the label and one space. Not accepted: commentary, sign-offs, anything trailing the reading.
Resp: 10:02
